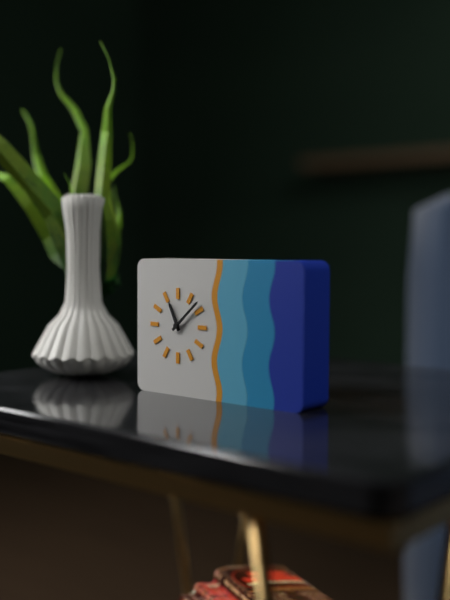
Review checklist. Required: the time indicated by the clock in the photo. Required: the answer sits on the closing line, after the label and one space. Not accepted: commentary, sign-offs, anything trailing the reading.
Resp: 11:08
